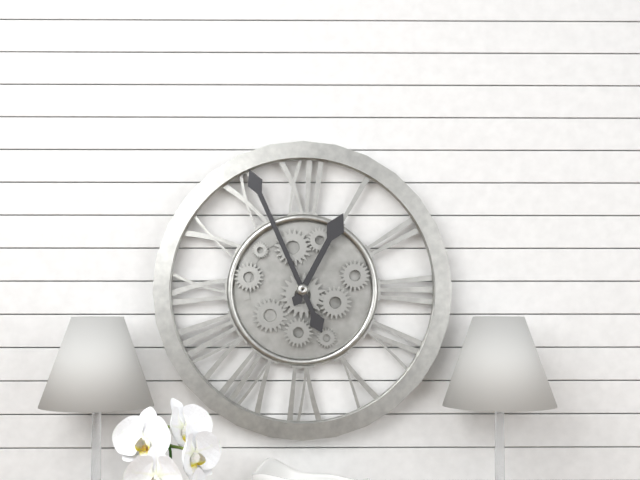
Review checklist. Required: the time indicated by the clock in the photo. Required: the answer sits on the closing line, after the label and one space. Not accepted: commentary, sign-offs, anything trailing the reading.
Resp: 12:56
